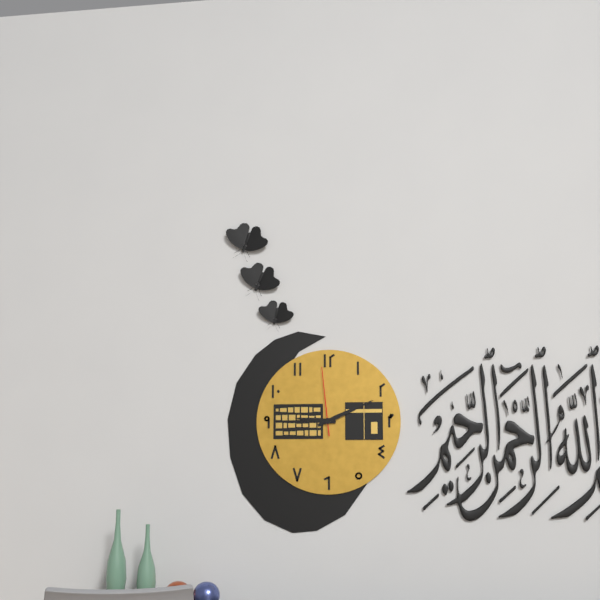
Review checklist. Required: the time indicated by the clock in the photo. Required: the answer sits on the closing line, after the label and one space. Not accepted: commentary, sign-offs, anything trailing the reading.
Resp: 9:11:59
